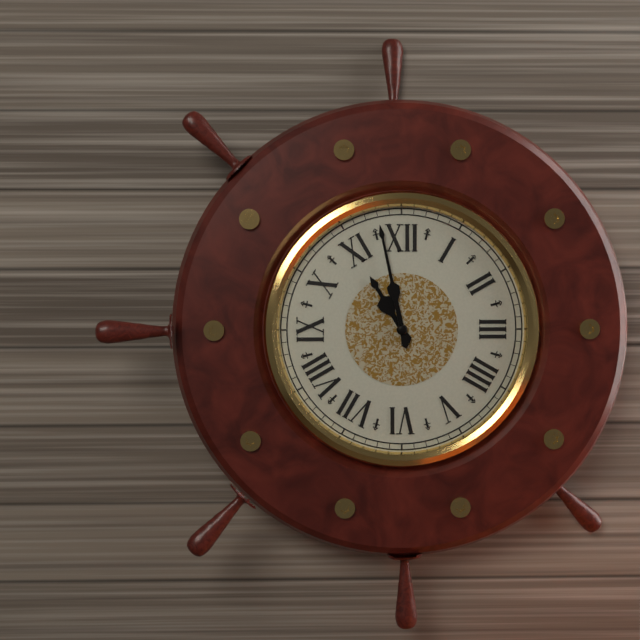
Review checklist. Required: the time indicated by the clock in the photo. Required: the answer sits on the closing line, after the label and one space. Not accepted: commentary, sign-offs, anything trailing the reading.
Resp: 10:58
